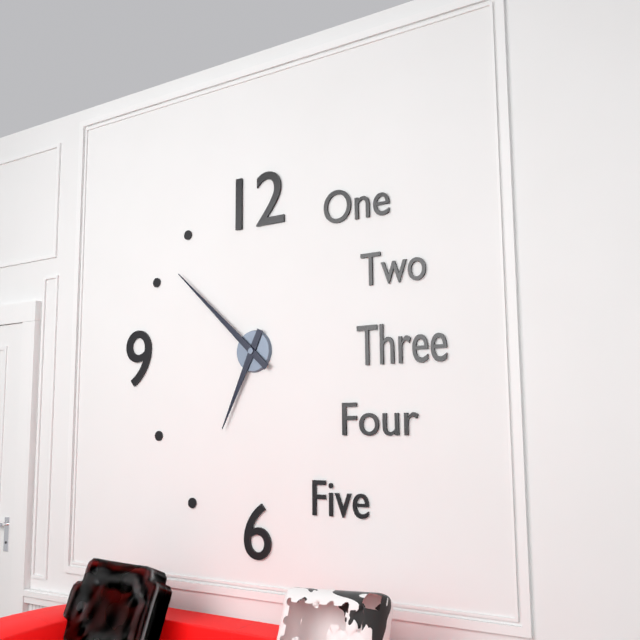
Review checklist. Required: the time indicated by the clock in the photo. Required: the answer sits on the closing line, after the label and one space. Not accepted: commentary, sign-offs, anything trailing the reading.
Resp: 6:52
